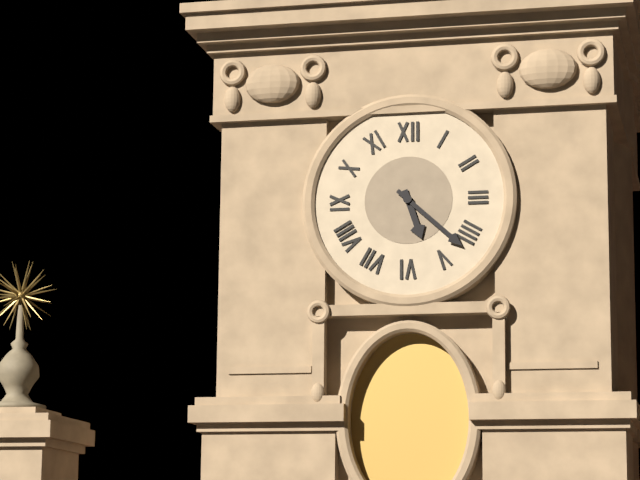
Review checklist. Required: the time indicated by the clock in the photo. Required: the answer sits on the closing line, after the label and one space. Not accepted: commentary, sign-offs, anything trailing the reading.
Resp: 5:22
